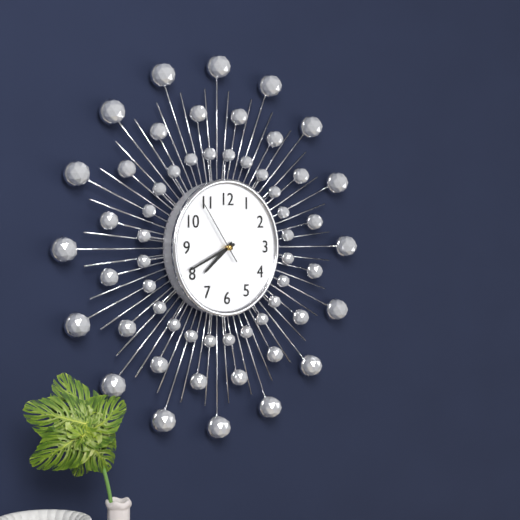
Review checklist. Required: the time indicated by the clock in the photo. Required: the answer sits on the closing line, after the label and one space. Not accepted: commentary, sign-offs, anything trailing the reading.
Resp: 7:41:54
